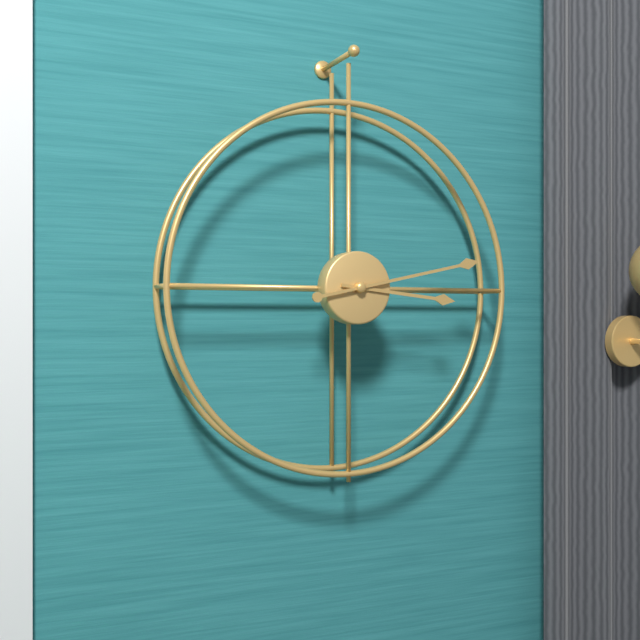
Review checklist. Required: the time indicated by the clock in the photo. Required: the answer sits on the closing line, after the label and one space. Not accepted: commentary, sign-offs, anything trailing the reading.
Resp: 3:13
